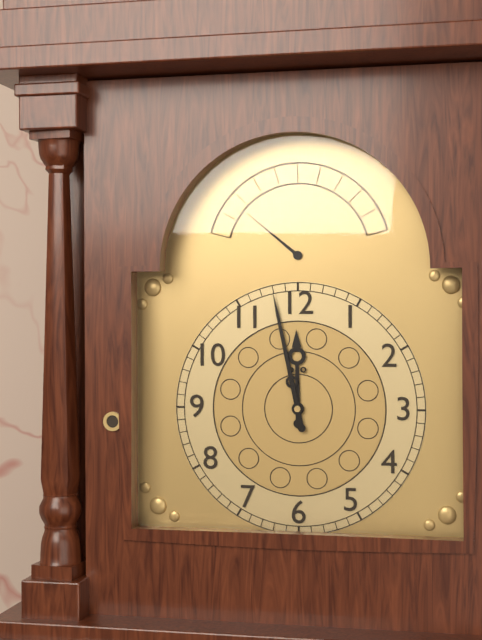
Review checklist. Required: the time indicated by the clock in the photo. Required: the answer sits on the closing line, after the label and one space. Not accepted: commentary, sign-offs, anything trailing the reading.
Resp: 11:58
